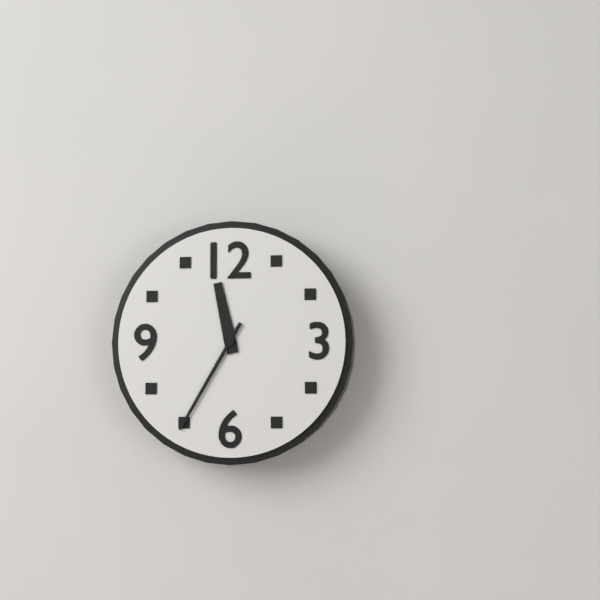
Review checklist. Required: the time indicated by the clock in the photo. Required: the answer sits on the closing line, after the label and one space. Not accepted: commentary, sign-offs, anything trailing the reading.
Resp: 11:35
